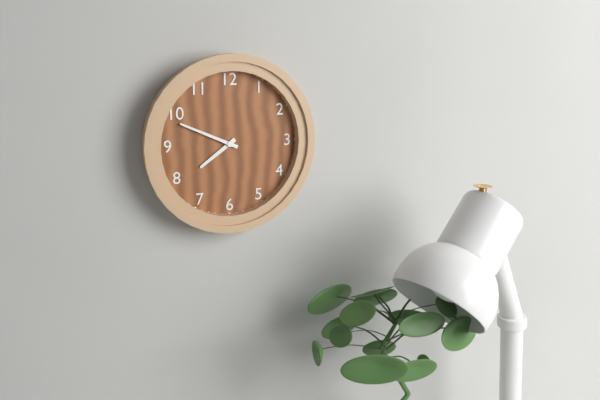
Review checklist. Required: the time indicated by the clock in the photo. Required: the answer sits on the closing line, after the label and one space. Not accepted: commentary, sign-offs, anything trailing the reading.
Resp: 7:49
